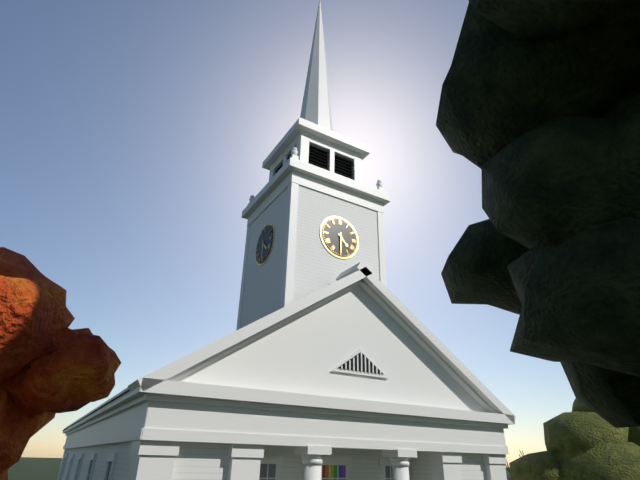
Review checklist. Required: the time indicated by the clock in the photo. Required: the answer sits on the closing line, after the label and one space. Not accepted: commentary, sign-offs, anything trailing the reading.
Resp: 4:30
